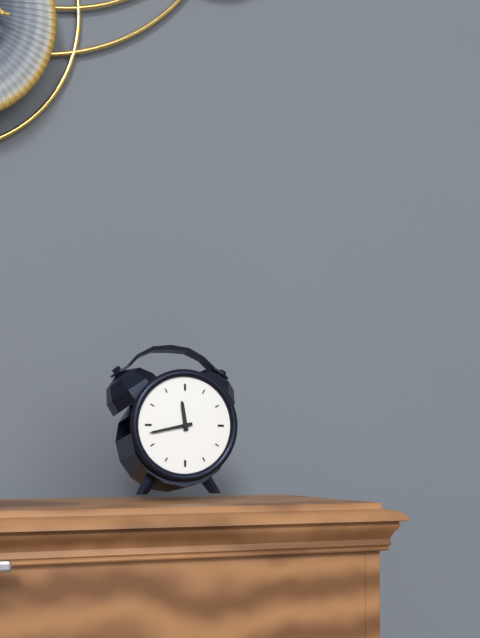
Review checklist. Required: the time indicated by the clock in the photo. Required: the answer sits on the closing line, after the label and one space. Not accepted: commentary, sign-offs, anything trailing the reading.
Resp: 11:43
